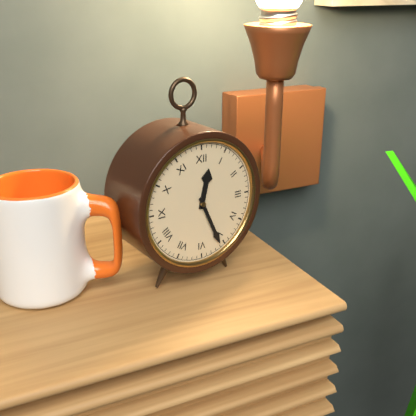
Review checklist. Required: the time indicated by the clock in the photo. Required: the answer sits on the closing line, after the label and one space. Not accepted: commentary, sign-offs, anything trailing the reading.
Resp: 12:26
